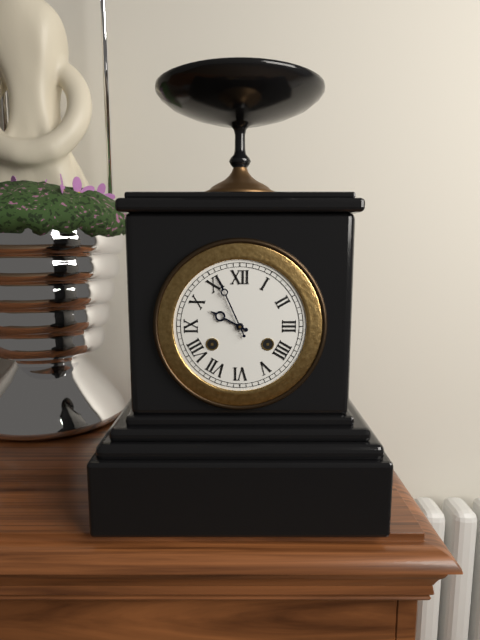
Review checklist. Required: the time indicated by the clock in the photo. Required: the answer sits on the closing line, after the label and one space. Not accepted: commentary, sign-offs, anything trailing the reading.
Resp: 9:56
